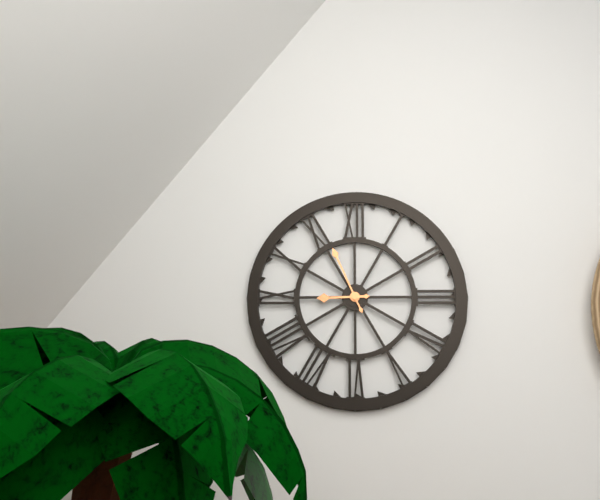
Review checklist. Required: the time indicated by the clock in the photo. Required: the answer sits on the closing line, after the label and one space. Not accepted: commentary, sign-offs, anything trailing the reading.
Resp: 8:56
